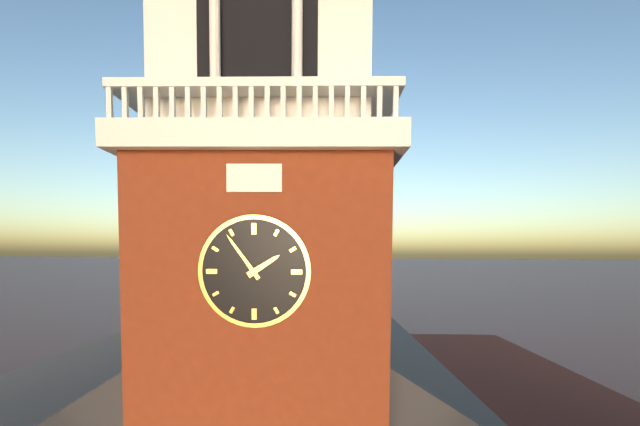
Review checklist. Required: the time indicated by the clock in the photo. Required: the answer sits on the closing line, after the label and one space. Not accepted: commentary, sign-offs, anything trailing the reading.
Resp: 1:54
